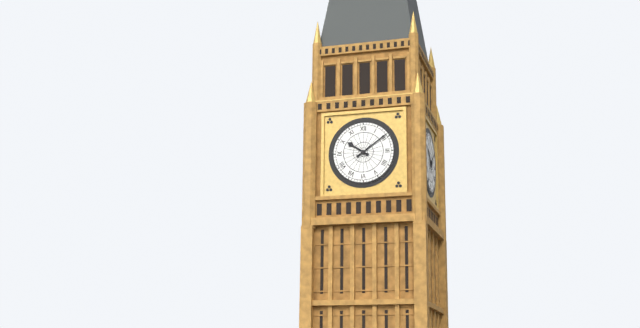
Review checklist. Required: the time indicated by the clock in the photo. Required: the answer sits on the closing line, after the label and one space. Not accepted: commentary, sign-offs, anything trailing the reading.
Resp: 10:09
